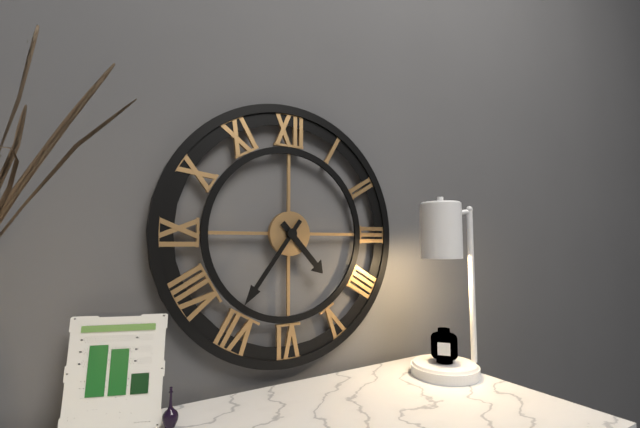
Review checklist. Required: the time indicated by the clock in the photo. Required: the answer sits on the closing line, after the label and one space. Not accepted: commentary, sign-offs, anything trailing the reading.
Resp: 4:36
